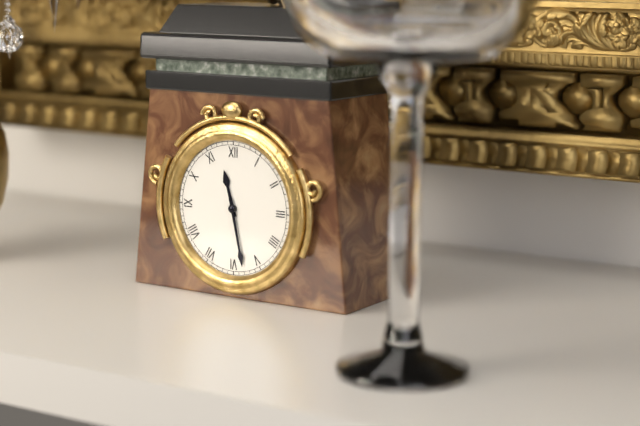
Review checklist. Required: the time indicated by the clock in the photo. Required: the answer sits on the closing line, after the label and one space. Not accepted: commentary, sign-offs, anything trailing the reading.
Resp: 11:28
